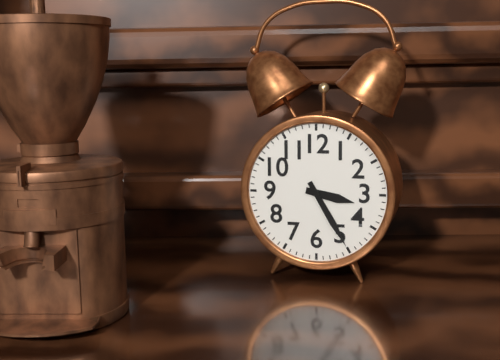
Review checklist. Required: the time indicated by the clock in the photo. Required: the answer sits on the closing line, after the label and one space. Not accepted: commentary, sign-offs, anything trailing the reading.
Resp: 3:25
